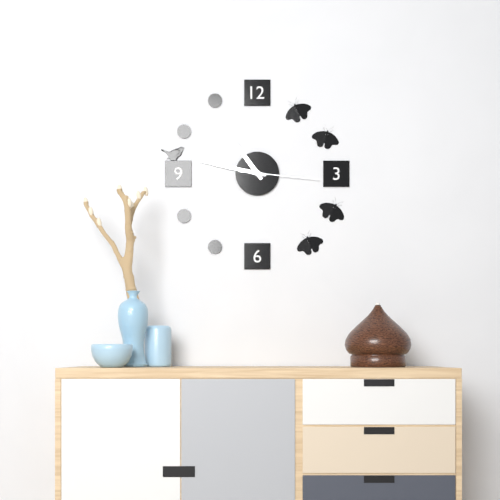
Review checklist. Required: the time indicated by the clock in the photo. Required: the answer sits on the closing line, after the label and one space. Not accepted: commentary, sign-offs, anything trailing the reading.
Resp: 10:47:16
